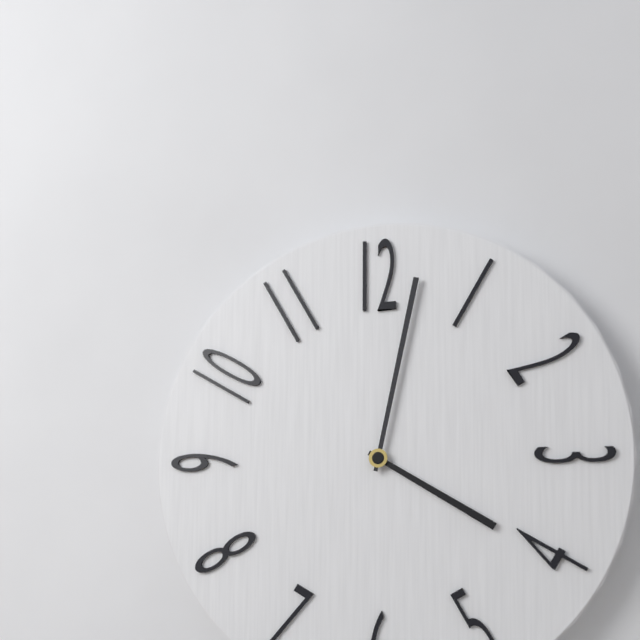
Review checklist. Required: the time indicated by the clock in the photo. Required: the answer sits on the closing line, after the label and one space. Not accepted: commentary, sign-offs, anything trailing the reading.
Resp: 4:02
